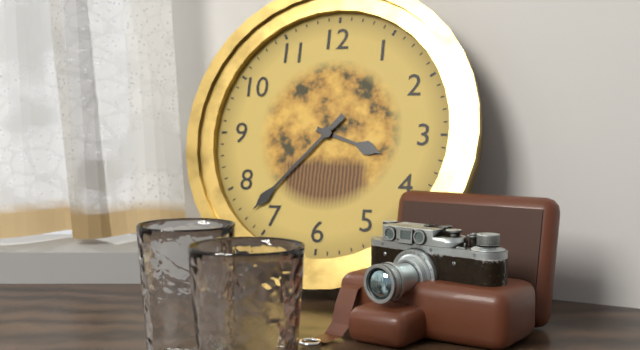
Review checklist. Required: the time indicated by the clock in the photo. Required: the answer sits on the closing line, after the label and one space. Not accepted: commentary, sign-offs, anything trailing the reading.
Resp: 3:37
